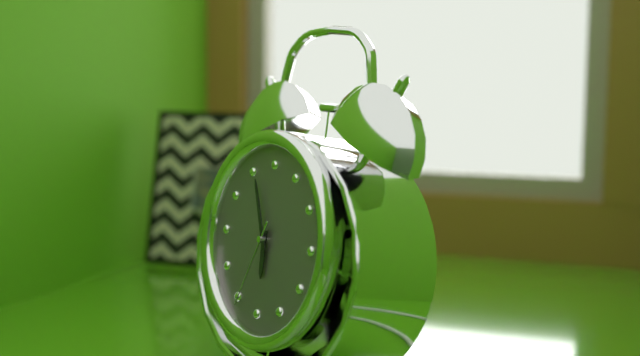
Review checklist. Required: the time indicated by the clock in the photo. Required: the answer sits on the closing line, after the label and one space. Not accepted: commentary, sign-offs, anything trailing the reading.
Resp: 5:56:34
